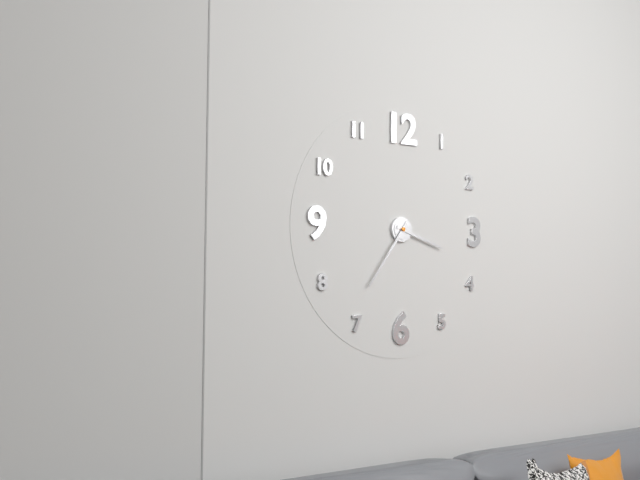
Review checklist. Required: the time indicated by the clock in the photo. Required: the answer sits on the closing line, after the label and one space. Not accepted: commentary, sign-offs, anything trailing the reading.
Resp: 3:36
